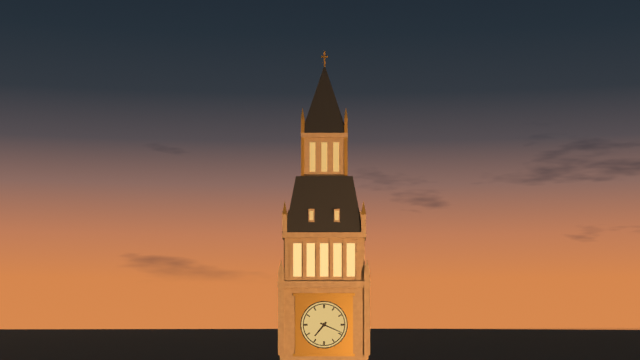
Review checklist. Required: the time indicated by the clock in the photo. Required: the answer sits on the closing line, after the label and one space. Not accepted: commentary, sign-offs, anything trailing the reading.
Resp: 7:19
